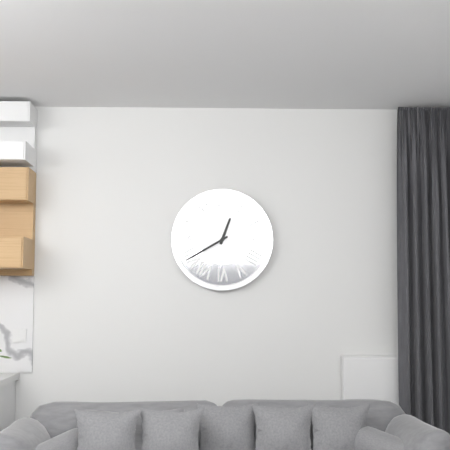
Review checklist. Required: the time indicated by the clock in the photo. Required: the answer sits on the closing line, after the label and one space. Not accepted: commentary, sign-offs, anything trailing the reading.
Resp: 12:40
